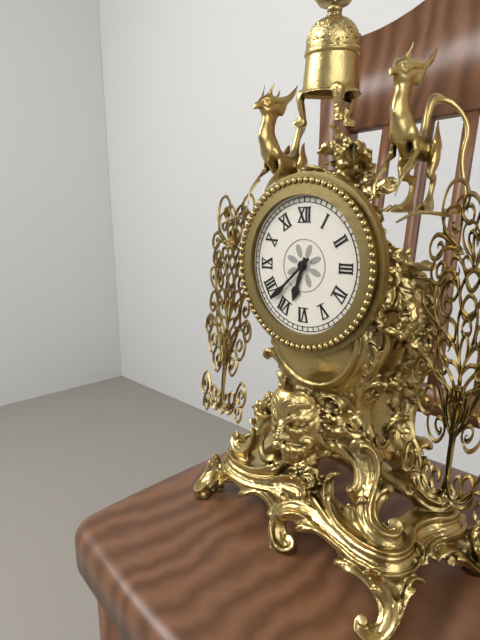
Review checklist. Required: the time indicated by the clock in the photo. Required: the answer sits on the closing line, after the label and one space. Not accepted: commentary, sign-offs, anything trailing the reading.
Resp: 6:38
